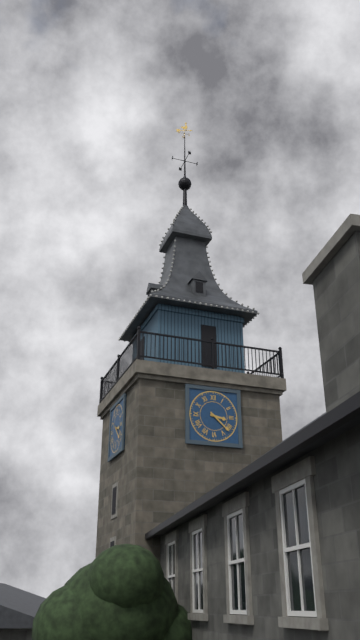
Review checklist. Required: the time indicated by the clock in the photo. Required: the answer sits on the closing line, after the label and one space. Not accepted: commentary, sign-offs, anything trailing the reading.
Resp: 3:22
